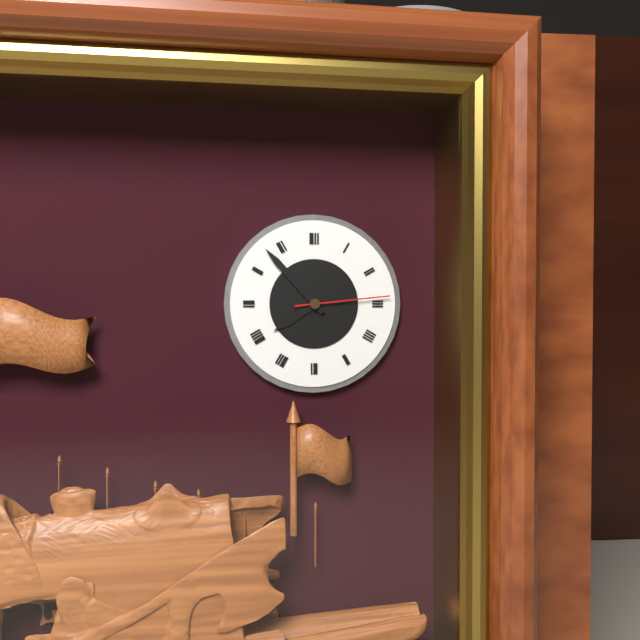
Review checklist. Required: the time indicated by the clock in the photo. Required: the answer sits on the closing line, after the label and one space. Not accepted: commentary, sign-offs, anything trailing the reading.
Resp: 7:53:14
